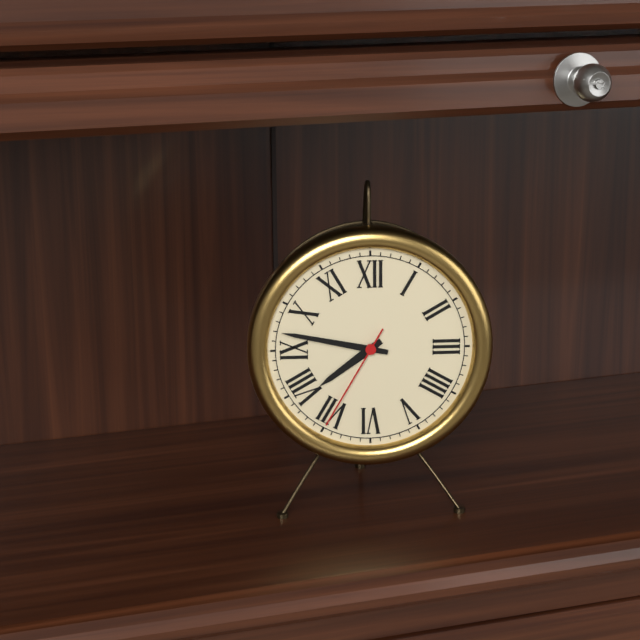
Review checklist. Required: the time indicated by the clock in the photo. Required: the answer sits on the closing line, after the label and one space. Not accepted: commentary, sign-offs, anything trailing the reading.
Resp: 7:47:35
